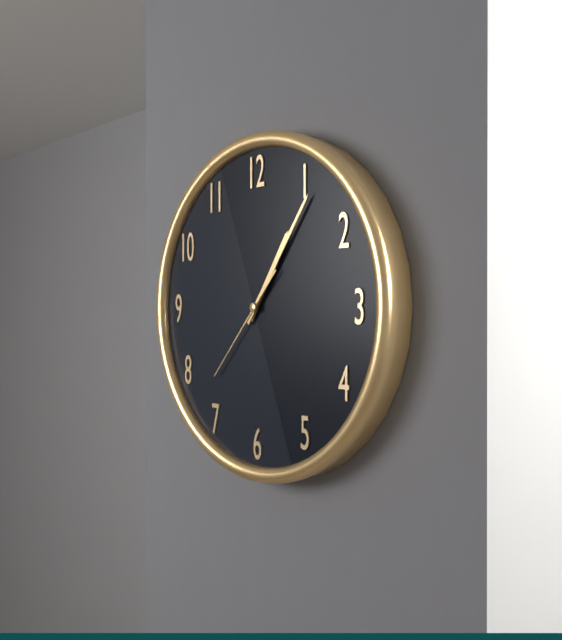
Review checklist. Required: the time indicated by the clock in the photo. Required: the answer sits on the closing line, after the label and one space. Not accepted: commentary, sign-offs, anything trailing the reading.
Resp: 1:06:37
